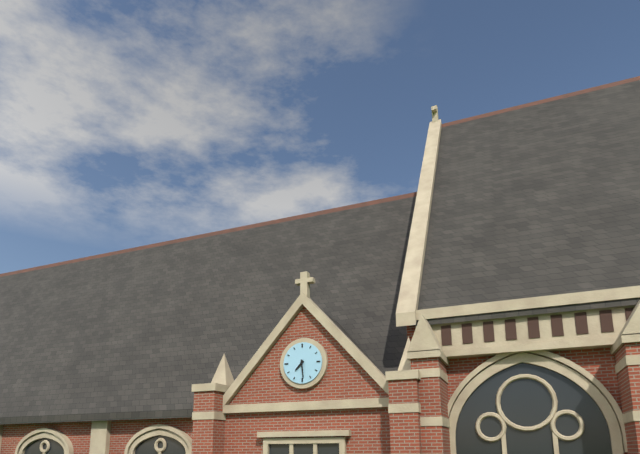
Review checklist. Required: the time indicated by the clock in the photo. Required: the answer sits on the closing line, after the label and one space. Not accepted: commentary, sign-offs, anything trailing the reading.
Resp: 7:29
